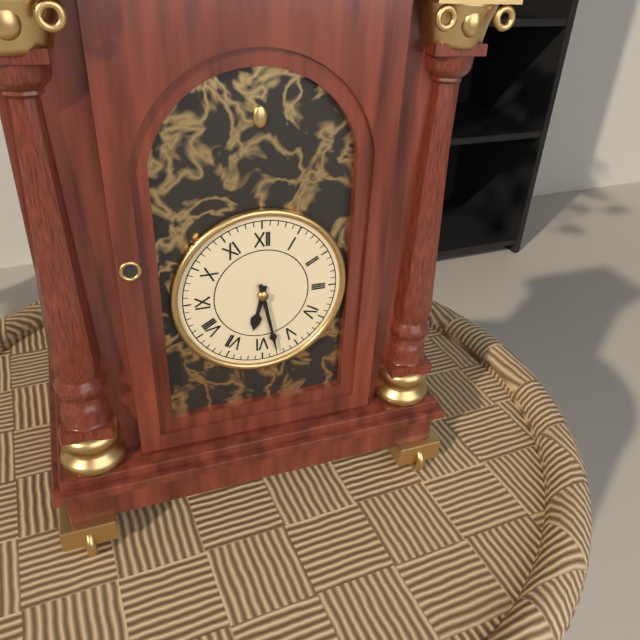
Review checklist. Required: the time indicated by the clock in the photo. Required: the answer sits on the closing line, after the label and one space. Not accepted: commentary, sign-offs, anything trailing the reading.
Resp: 6:28
